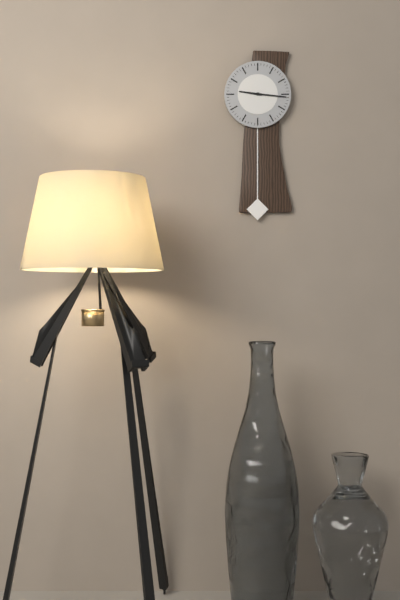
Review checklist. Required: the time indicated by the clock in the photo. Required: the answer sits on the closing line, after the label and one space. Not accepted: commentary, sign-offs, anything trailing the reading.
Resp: 9:16
